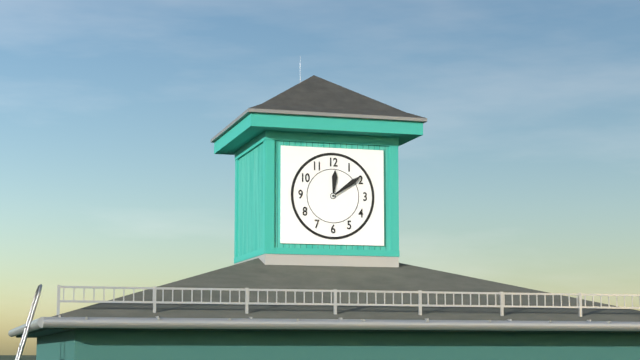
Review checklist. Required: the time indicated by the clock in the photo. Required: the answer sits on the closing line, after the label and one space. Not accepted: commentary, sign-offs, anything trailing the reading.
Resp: 12:09
